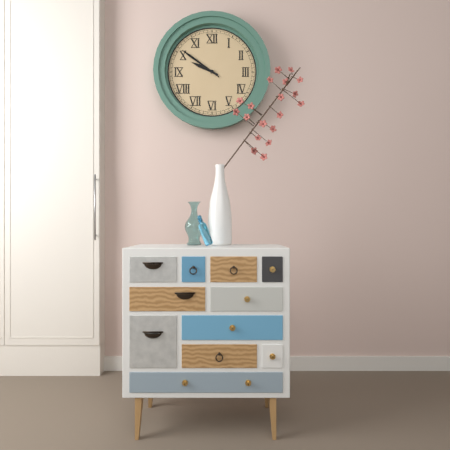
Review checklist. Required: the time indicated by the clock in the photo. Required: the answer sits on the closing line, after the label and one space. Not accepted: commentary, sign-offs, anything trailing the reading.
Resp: 9:51
